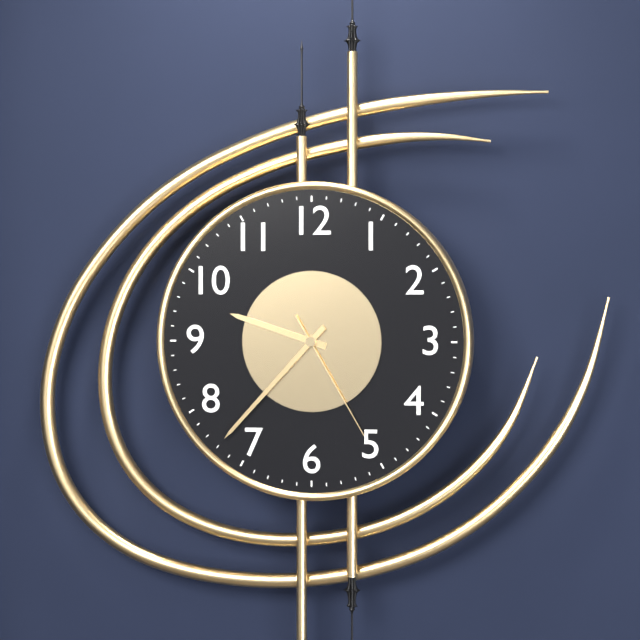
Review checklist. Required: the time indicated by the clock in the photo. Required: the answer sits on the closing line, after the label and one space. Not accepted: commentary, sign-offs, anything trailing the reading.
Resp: 9:37:25
